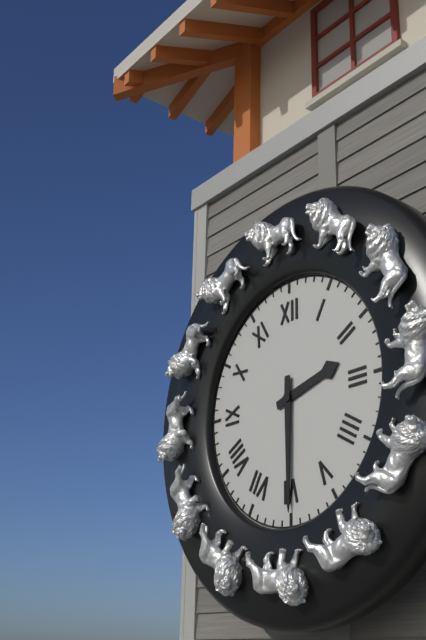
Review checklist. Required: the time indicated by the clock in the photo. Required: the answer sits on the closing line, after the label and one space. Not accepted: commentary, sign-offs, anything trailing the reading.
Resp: 2:30
